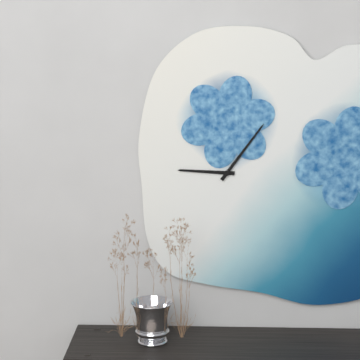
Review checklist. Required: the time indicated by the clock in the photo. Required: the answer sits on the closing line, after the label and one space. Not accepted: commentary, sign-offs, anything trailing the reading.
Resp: 9:06
